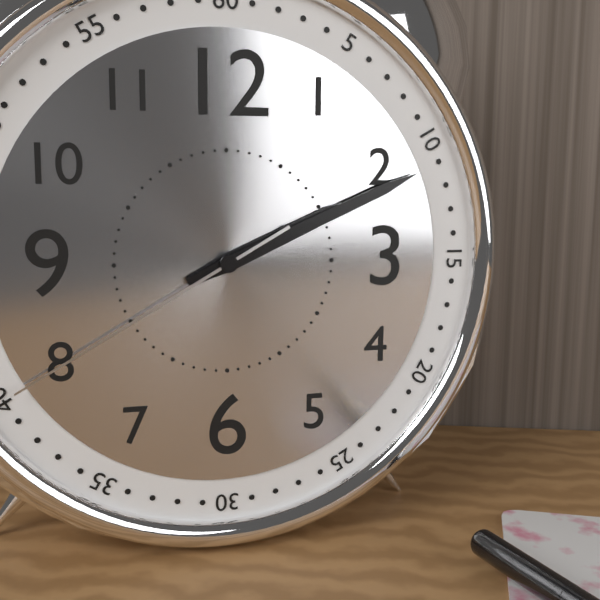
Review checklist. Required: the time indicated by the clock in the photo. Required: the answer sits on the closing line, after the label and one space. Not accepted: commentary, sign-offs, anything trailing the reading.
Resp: 2:11:40
